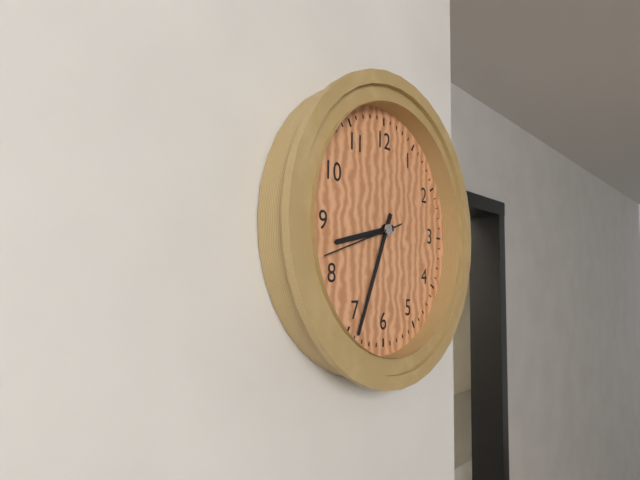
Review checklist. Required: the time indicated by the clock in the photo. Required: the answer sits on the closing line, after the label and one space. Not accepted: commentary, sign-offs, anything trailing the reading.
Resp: 8:34:42
